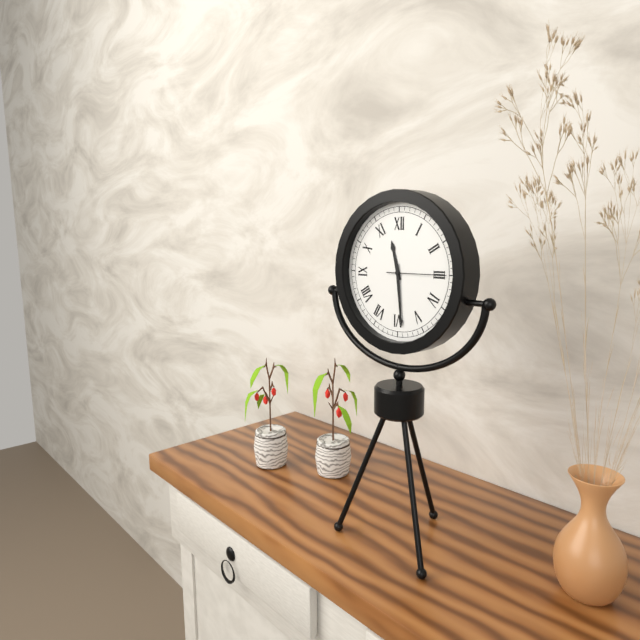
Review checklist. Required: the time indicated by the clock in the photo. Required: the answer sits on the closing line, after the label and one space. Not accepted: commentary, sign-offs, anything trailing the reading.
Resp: 11:29:15
